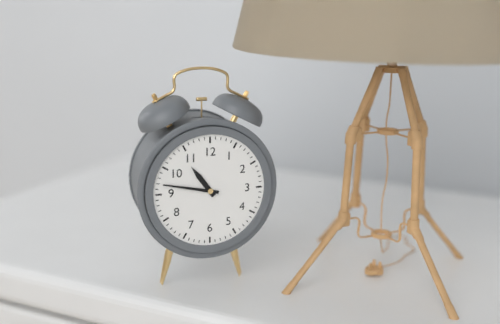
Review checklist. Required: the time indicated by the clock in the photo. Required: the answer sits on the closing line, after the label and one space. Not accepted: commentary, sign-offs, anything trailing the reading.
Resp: 10:47
